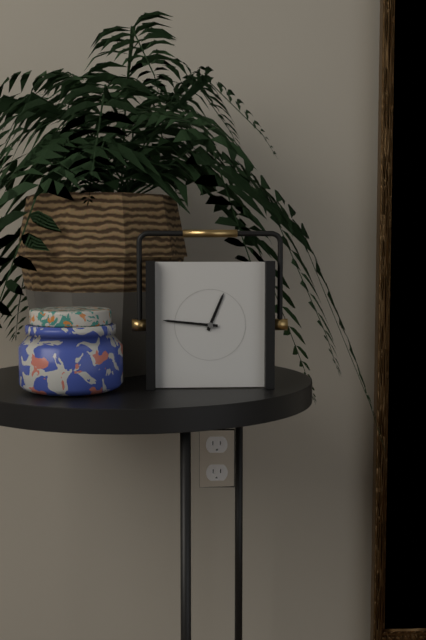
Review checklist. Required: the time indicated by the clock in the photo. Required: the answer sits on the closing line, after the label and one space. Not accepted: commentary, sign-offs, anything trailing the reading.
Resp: 12:46
